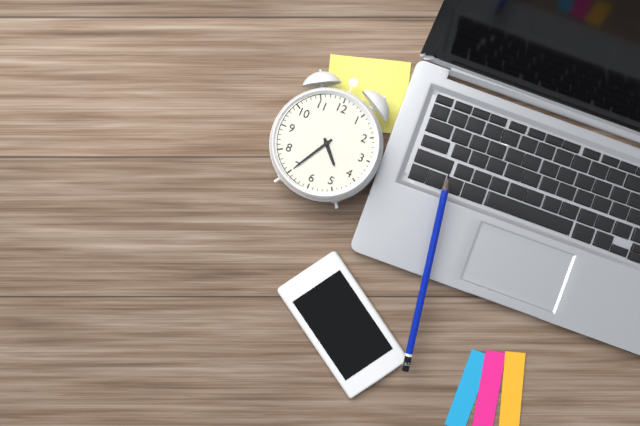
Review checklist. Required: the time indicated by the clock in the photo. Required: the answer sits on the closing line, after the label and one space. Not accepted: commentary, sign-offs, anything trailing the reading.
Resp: 4:35
